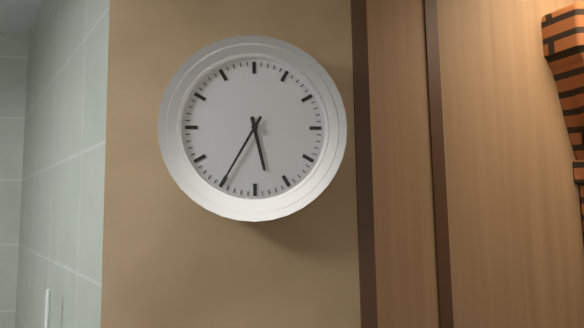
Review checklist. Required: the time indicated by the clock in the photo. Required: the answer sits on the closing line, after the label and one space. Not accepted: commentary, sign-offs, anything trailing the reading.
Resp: 5:35
